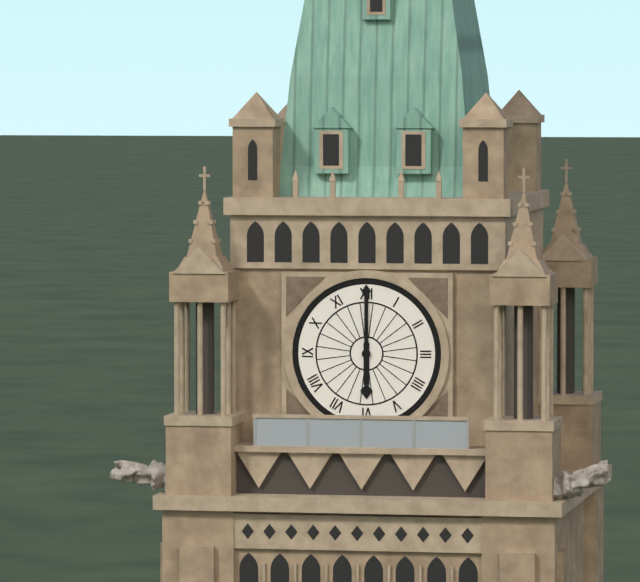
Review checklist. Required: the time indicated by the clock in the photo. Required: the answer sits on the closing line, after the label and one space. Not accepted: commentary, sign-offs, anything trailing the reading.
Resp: 6:00
